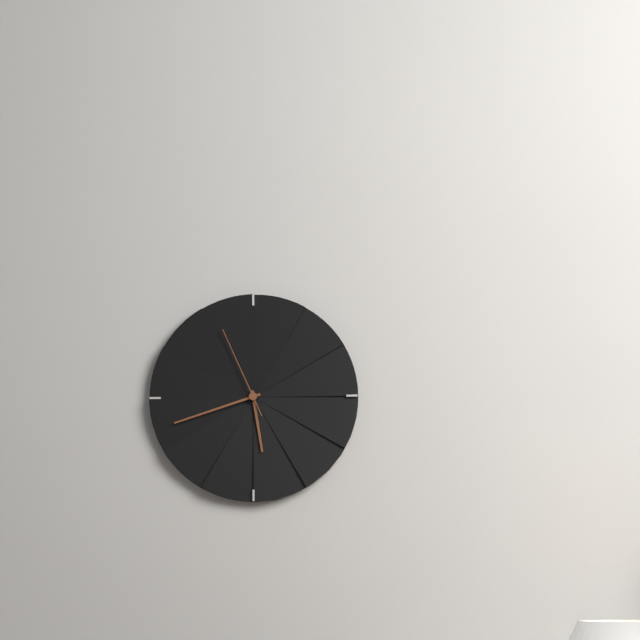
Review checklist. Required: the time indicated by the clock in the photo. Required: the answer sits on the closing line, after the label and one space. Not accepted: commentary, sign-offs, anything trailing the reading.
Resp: 5:42:56
